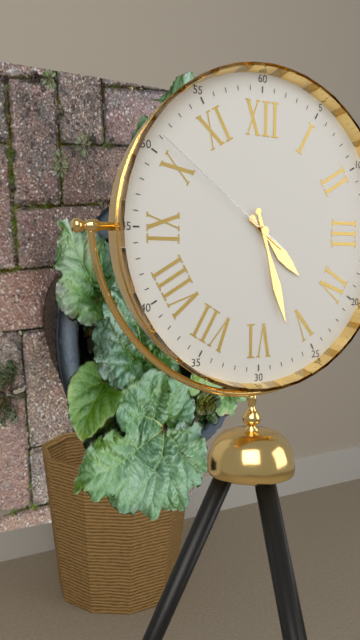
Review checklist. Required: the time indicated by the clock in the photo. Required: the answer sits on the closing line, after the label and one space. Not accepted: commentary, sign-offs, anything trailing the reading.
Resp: 4:27:51
